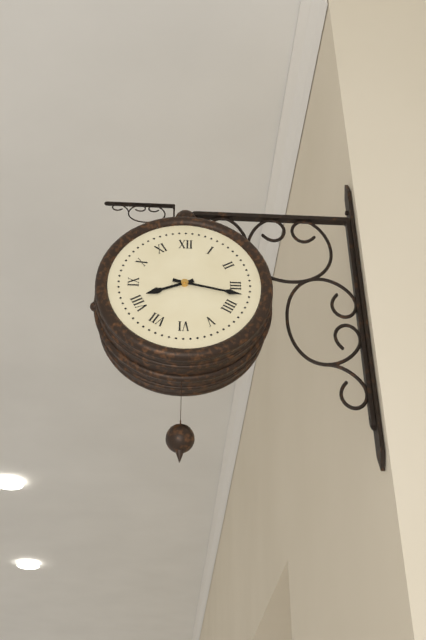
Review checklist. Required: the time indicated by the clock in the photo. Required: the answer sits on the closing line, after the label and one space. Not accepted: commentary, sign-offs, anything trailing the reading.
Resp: 8:17
